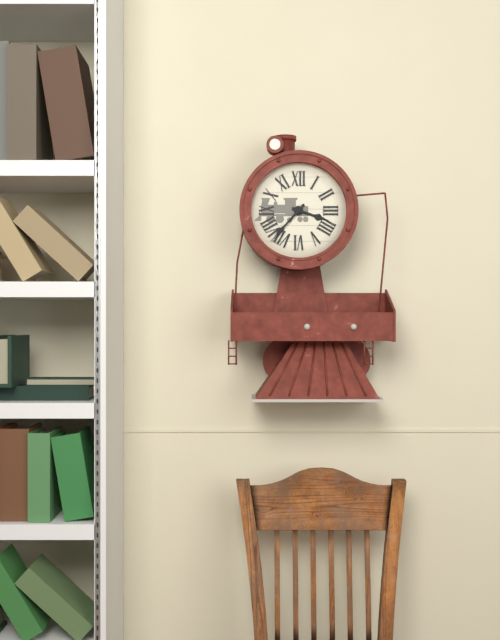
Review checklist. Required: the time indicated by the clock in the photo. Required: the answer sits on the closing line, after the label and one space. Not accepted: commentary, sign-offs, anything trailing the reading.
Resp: 3:37
